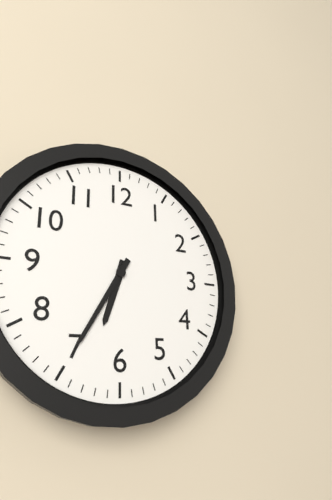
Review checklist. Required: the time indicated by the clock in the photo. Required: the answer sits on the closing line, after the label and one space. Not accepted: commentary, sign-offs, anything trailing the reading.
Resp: 6:35
